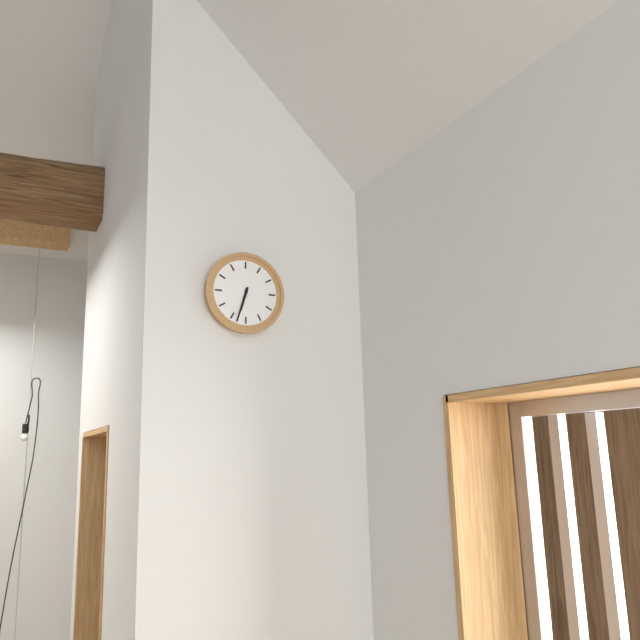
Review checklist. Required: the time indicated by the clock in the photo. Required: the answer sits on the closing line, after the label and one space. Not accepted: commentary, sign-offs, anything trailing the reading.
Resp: 6:33
